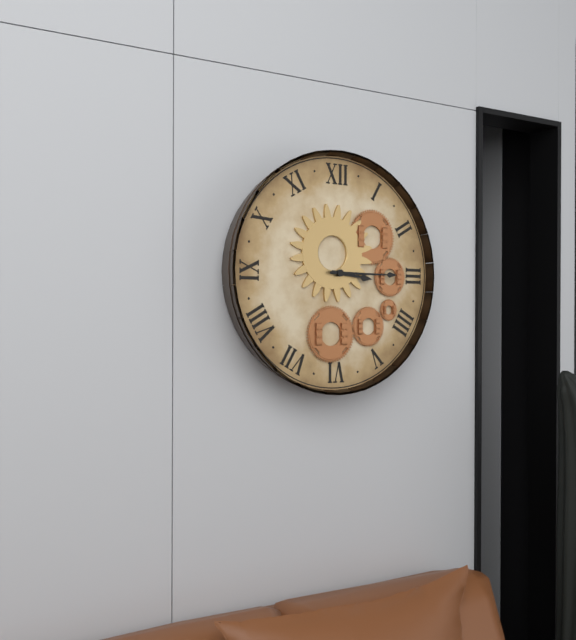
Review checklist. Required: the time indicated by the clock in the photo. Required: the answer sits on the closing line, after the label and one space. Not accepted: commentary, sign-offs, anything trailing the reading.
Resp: 3:15
